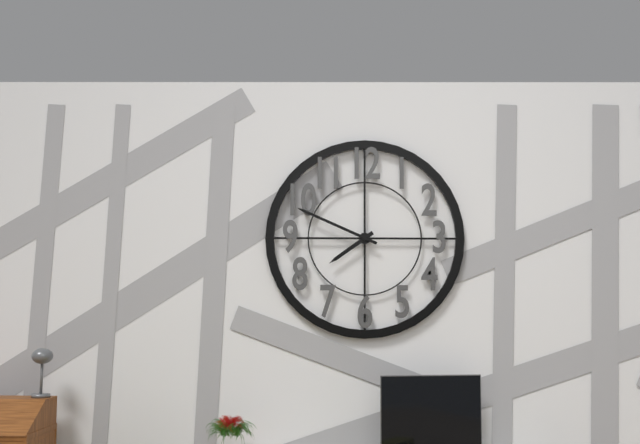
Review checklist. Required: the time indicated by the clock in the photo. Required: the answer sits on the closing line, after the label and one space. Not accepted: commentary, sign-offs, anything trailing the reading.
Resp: 7:49
